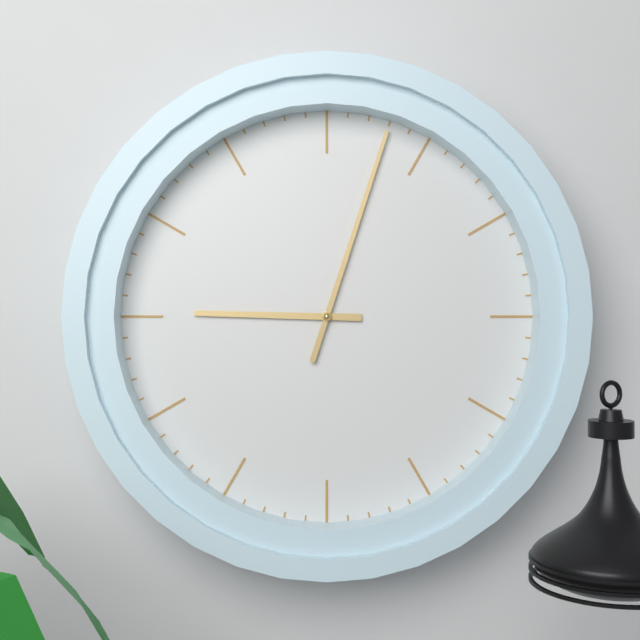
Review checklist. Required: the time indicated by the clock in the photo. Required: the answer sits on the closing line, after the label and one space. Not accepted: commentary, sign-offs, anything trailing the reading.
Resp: 9:03
